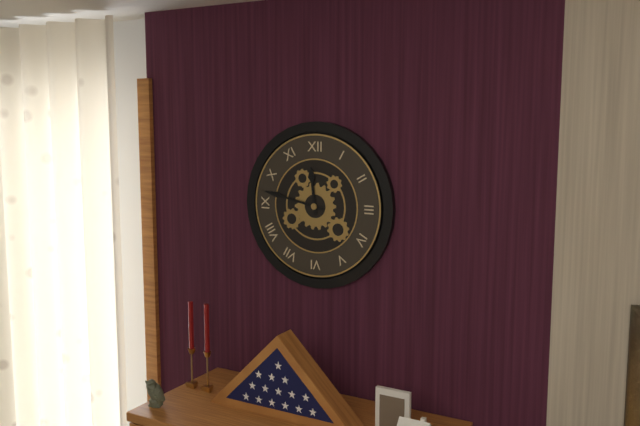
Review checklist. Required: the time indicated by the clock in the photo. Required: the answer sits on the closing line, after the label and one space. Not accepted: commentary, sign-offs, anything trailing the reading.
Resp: 11:47
